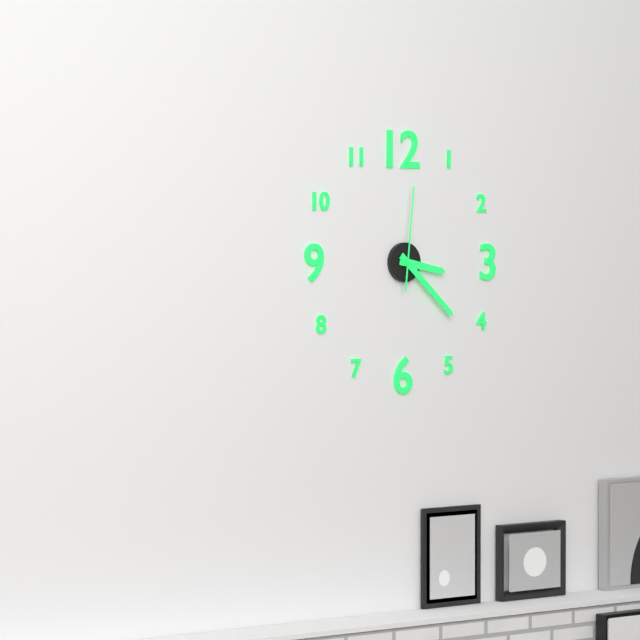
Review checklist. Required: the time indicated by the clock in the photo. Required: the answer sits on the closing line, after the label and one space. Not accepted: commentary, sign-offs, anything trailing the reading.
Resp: 3:22:01
